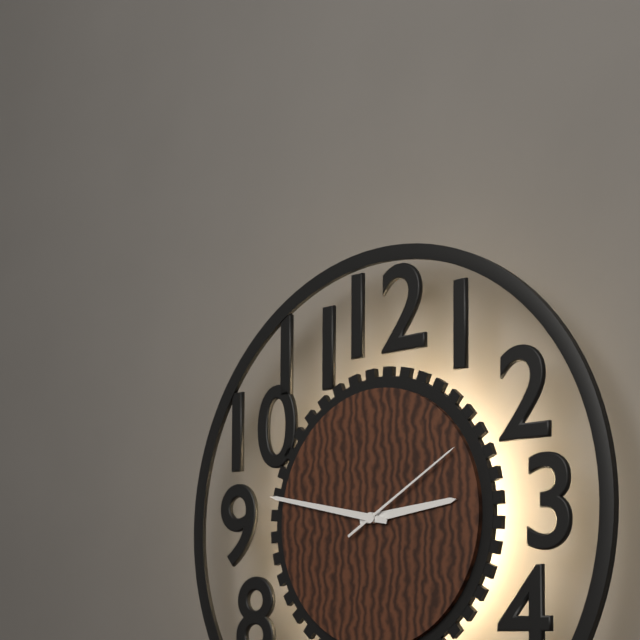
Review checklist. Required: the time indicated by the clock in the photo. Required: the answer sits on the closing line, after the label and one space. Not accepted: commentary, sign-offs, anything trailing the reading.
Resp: 2:47:10
